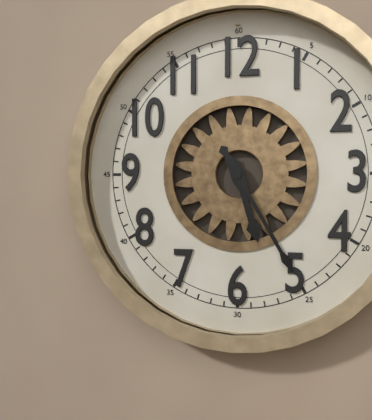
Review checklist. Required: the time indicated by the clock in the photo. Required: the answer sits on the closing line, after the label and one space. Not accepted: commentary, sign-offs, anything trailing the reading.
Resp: 5:25
